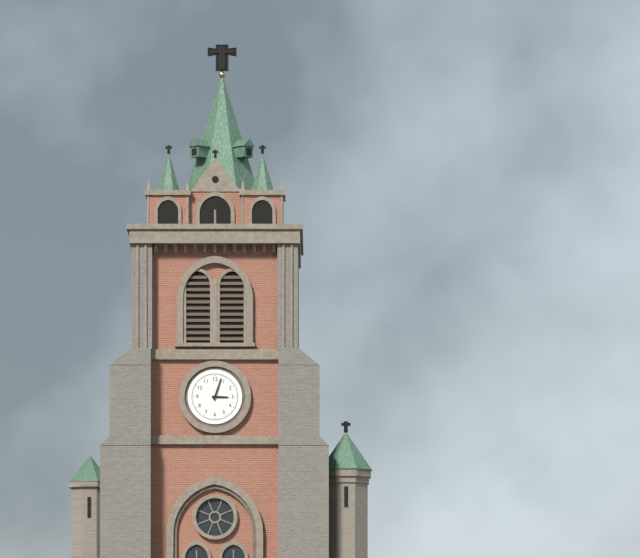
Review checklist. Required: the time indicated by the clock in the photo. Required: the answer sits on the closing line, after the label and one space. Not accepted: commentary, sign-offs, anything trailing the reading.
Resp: 3:03
